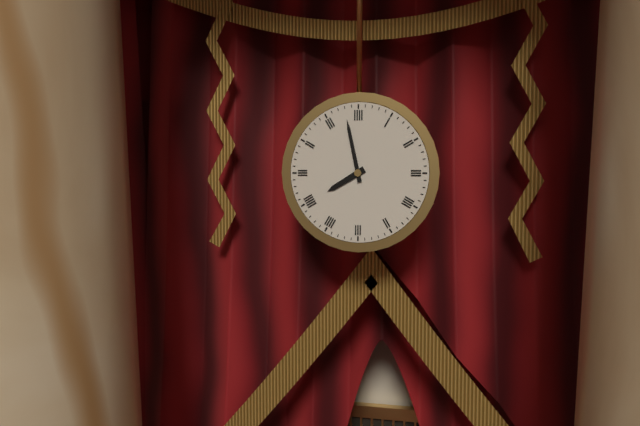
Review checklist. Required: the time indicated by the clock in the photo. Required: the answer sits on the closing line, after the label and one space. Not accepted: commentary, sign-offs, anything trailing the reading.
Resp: 7:58
